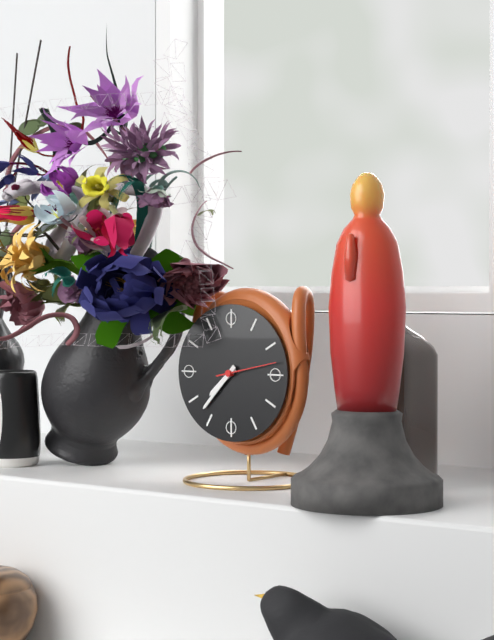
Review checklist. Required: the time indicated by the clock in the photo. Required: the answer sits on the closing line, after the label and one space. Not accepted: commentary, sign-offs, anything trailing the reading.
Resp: 7:37
